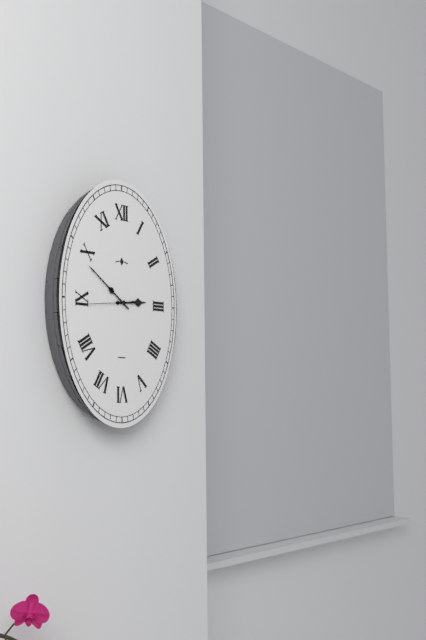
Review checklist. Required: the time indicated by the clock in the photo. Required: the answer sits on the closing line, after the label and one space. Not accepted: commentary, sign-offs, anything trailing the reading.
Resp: 2:51
